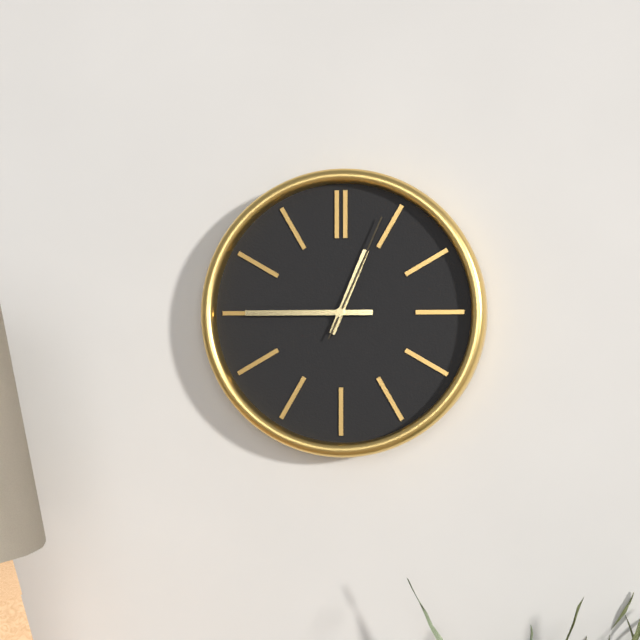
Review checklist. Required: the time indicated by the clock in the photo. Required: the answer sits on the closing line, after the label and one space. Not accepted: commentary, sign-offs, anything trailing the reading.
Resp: 12:45:04
